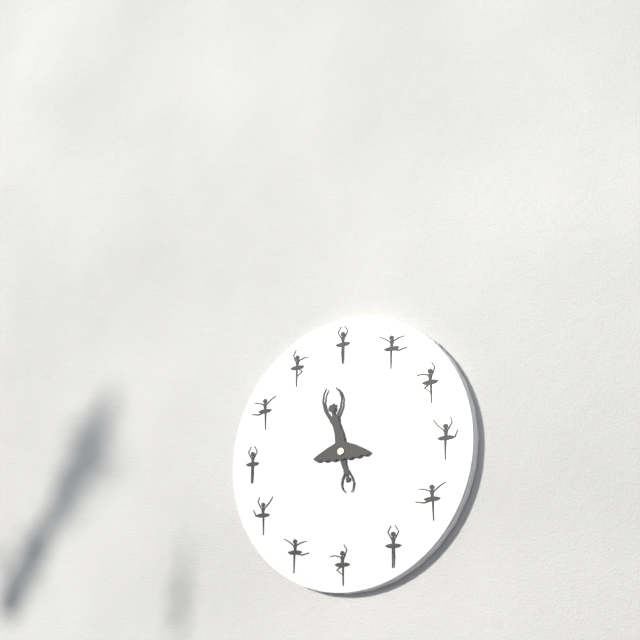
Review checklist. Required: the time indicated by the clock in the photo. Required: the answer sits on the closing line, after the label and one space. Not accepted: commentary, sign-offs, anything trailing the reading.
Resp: 6:00
